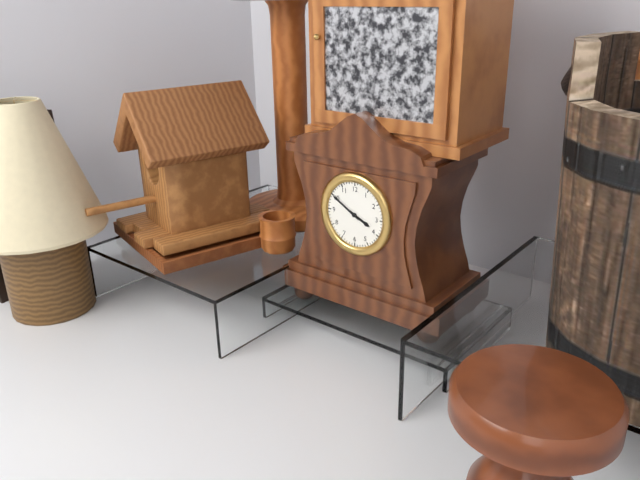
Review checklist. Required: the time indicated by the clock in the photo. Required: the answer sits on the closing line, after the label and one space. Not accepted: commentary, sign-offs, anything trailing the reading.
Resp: 3:50
